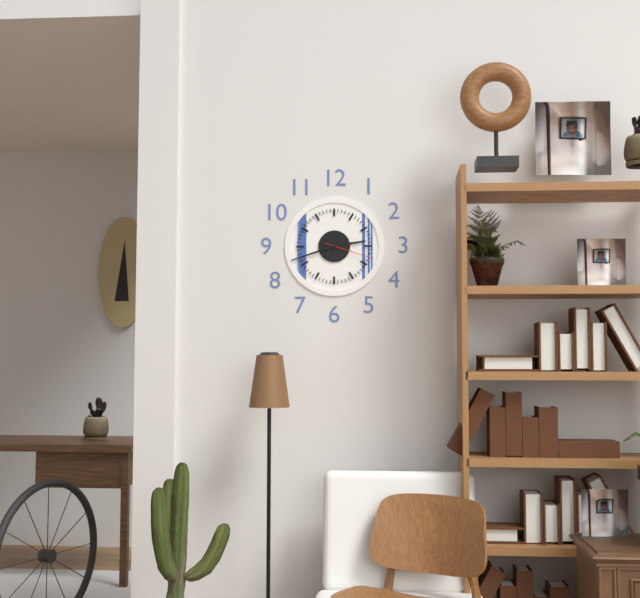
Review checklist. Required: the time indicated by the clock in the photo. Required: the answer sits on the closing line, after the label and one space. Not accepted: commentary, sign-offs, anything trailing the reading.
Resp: 2:42:18
